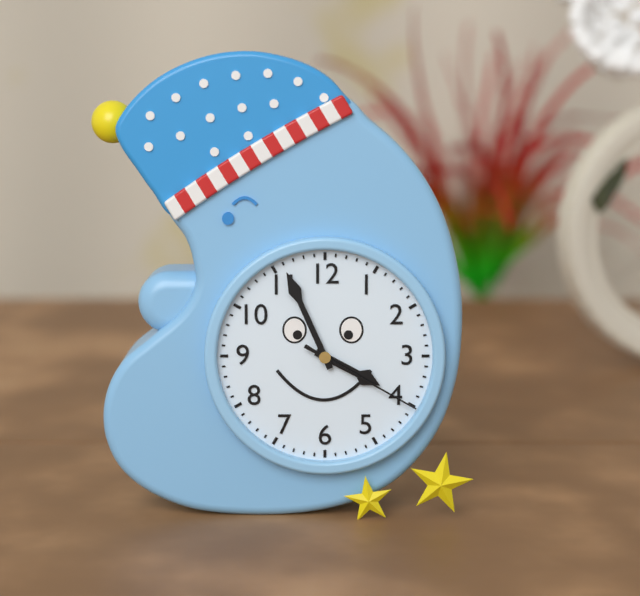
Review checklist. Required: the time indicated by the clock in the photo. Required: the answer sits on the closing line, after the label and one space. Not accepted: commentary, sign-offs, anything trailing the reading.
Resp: 3:56:20
